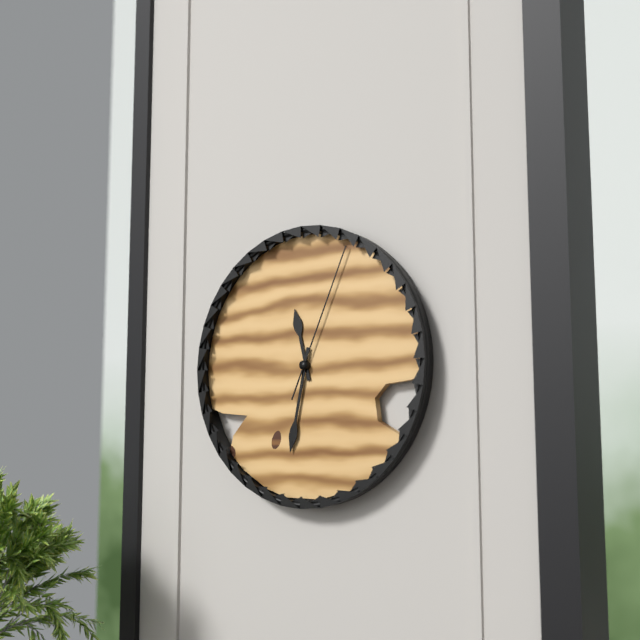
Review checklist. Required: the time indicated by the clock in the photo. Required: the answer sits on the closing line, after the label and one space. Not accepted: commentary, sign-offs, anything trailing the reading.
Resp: 11:32:04
